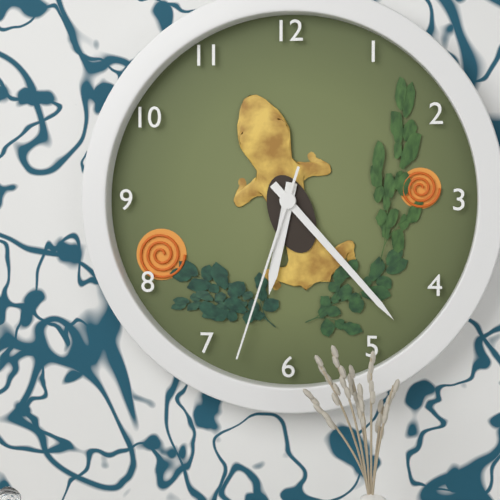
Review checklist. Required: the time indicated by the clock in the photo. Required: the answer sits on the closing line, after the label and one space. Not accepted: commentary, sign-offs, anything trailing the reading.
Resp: 6:23:33
